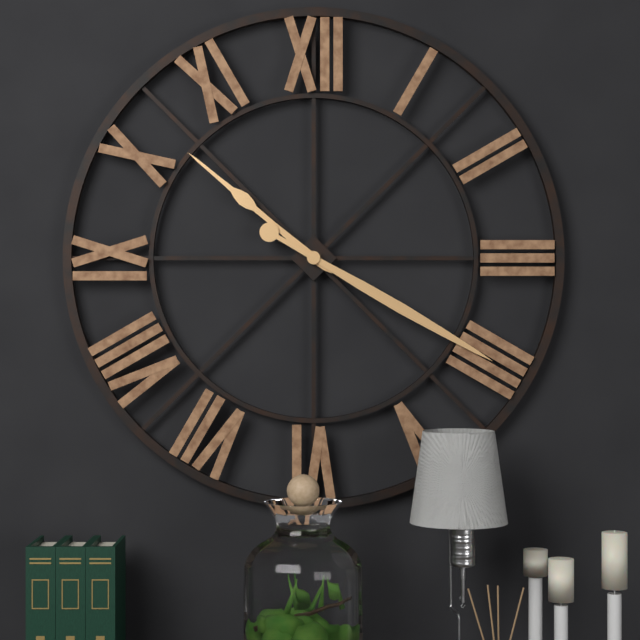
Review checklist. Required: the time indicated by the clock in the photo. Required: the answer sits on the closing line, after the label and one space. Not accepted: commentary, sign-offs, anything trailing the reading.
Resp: 10:20
